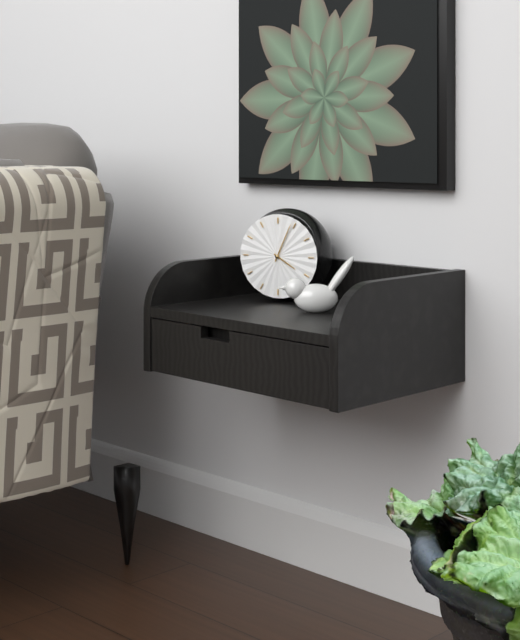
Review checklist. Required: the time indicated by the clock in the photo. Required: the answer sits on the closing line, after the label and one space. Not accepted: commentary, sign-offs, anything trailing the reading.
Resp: 4:04
